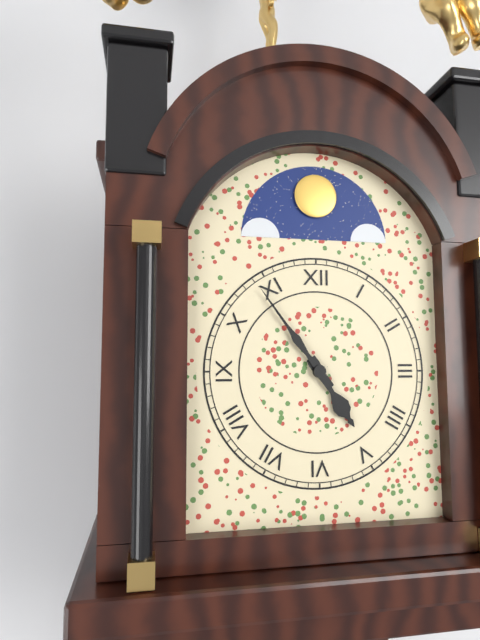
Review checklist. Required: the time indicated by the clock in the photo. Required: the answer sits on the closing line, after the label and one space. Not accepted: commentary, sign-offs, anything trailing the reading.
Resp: 4:54
